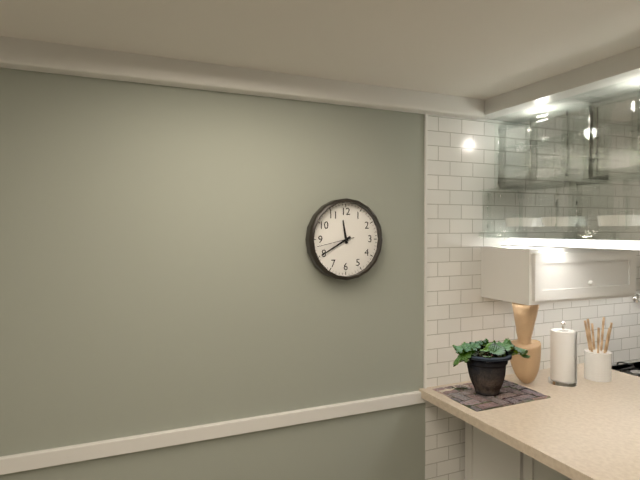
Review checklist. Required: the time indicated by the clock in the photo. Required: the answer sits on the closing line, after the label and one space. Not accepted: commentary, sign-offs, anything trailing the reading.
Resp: 11:40
